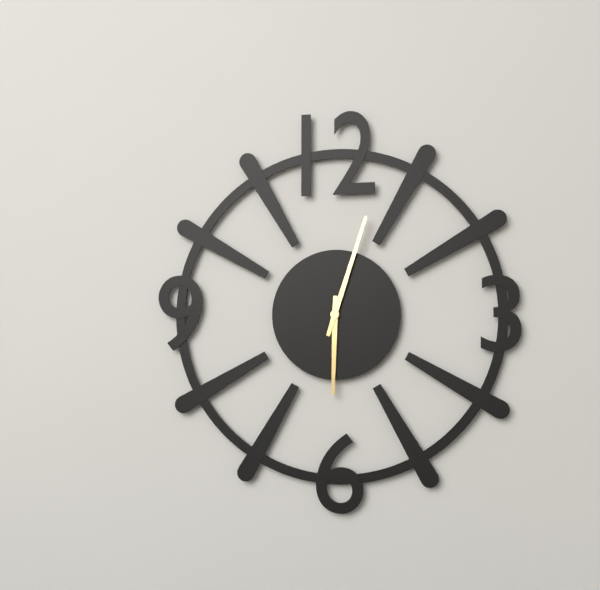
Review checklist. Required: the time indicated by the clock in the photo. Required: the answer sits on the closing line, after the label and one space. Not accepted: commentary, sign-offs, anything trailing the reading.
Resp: 6:03
